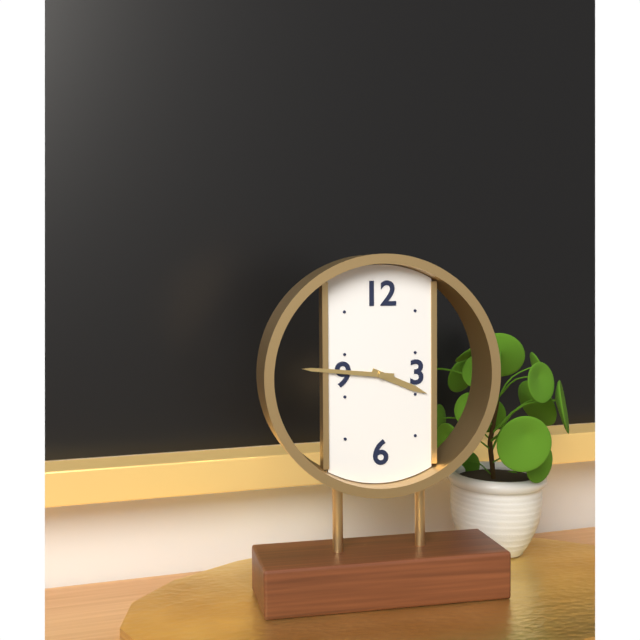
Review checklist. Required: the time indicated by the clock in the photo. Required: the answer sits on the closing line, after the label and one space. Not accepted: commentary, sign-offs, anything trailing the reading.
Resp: 3:46
